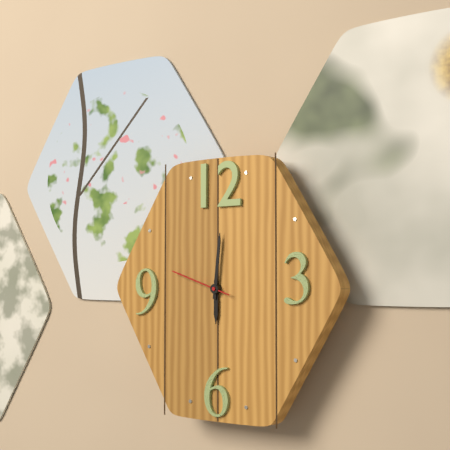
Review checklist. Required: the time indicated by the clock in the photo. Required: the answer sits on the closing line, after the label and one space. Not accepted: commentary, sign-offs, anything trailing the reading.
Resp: 6:01:48
